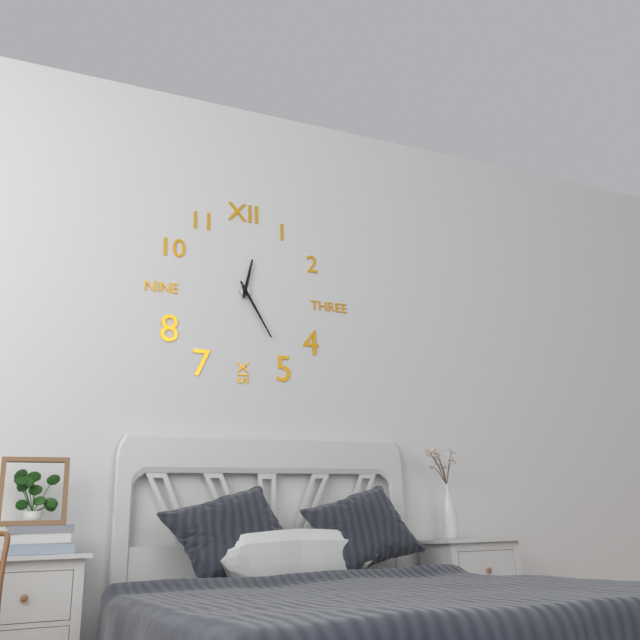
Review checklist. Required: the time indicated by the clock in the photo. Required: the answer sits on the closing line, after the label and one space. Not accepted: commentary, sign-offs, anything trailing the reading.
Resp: 12:25
